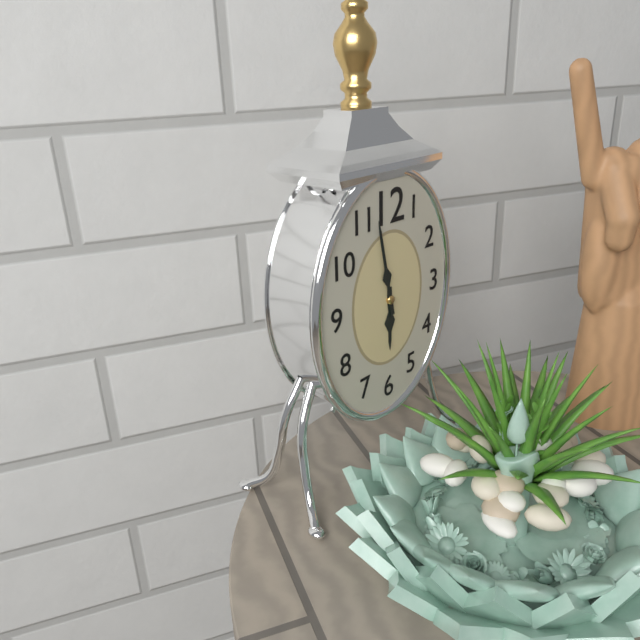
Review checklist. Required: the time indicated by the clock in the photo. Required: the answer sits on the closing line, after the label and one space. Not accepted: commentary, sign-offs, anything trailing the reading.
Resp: 5:58
